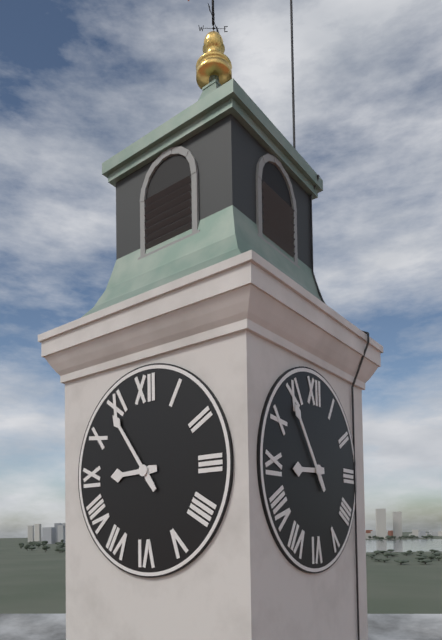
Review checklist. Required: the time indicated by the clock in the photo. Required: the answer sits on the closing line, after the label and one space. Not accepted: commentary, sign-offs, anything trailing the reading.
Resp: 8:54
